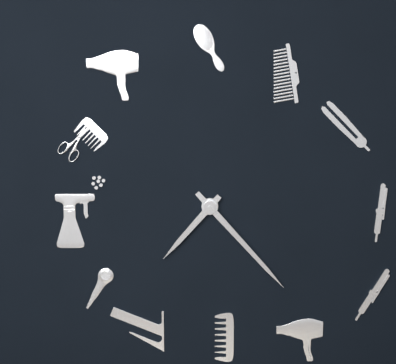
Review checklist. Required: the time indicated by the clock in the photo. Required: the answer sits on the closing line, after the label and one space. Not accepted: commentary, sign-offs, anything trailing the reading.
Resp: 7:23
